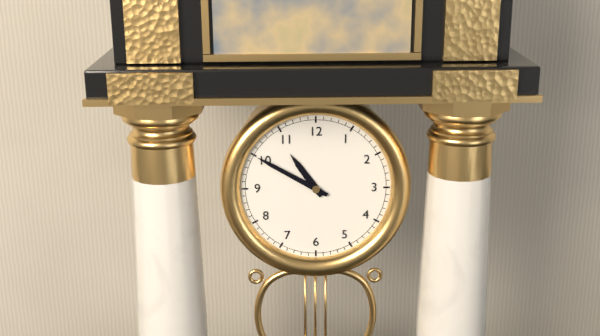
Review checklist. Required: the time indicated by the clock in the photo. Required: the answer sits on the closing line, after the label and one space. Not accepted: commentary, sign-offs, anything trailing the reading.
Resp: 10:50
